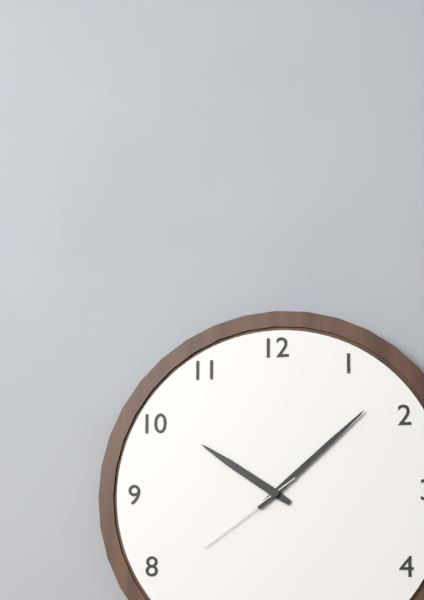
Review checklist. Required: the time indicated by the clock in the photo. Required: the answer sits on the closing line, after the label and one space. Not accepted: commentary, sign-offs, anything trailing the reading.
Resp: 10:08:39
